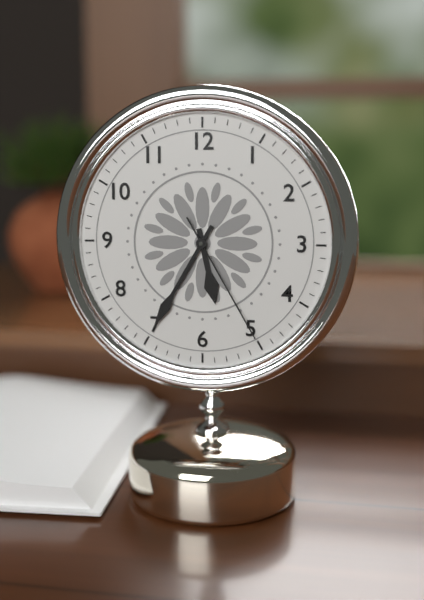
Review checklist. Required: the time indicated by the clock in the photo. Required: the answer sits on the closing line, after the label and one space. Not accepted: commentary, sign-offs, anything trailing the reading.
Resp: 5:35:25
